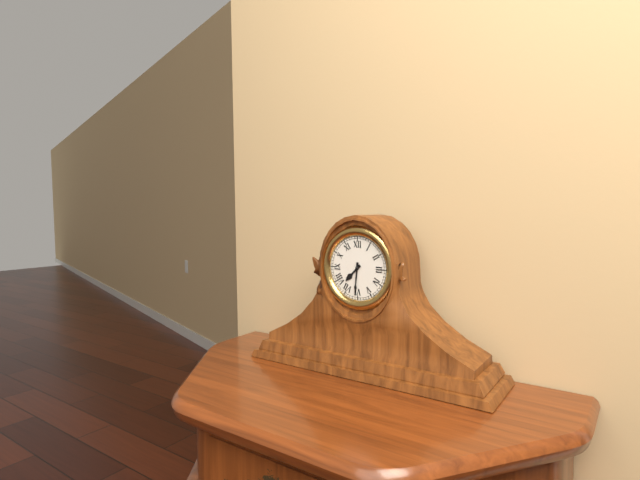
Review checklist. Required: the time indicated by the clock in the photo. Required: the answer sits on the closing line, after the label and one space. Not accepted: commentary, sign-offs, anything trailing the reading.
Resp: 7:31
